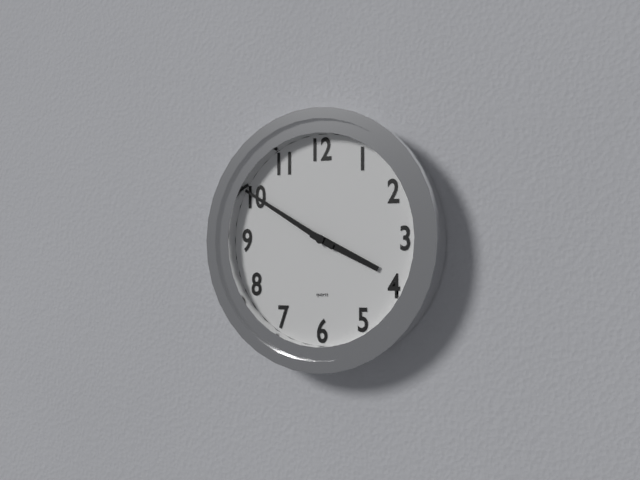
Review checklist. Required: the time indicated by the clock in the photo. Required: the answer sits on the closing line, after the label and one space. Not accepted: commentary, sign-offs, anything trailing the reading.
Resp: 3:50
